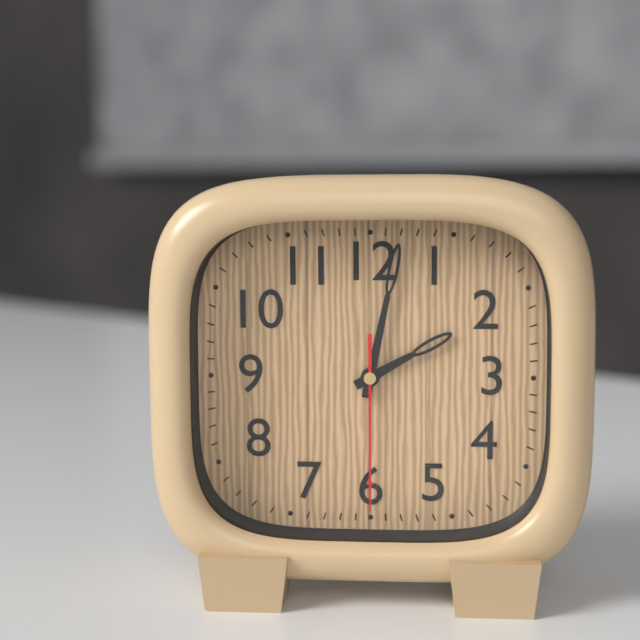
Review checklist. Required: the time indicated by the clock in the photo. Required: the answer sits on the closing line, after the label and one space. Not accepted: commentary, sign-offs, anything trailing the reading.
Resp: 2:02:30
